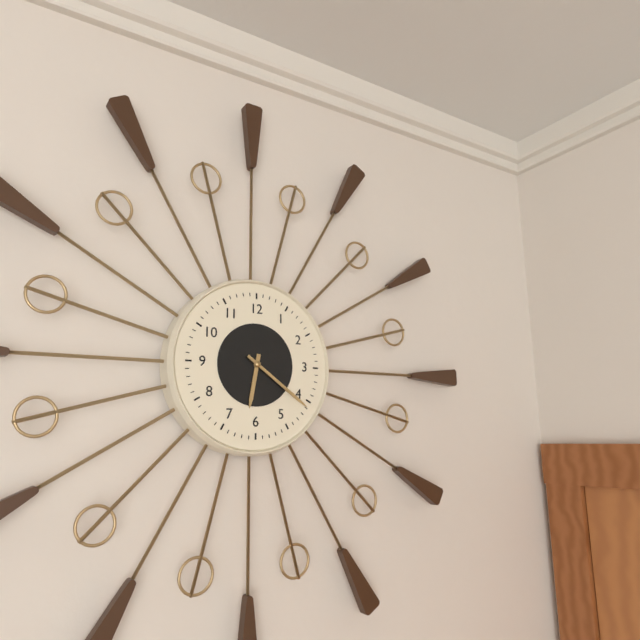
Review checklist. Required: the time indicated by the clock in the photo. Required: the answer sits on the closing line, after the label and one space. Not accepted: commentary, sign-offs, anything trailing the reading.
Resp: 6:21
